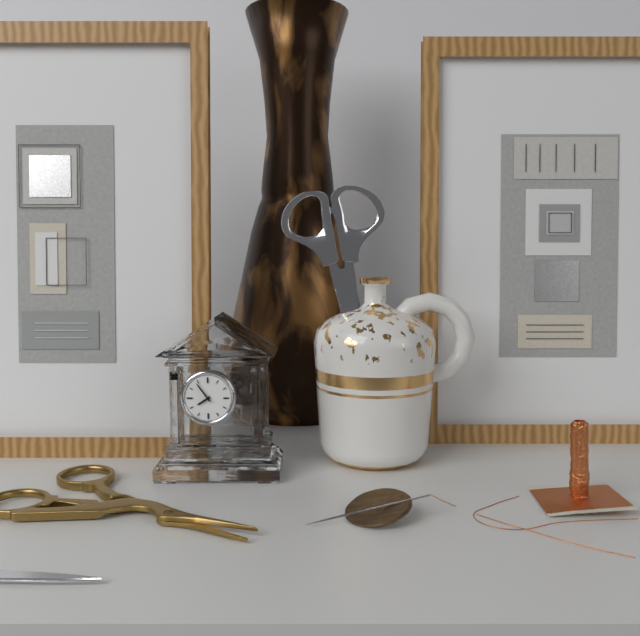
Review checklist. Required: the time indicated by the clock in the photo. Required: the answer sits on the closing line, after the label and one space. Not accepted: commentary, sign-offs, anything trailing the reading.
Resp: 7:54
